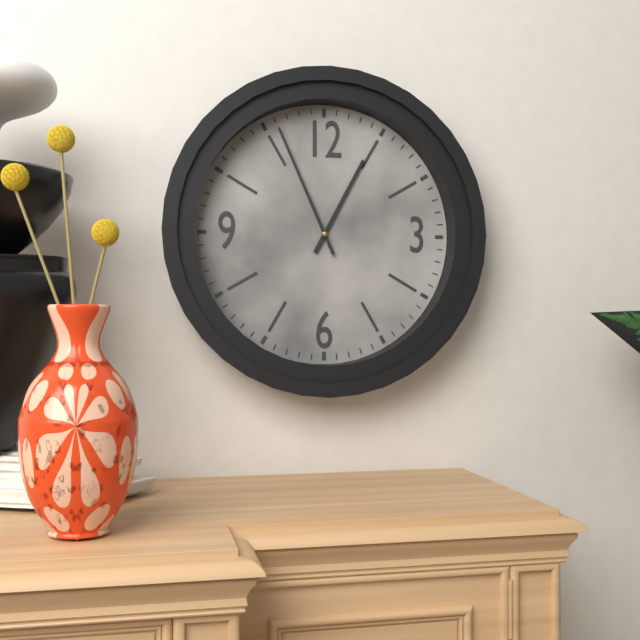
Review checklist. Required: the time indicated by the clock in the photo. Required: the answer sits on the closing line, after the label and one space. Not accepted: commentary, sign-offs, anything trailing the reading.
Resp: 12:56
